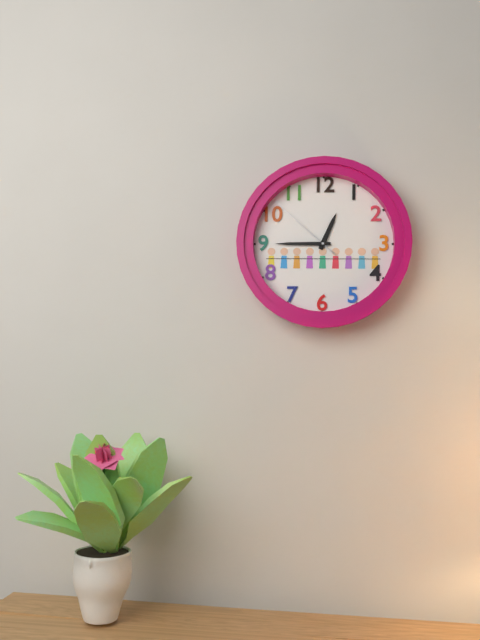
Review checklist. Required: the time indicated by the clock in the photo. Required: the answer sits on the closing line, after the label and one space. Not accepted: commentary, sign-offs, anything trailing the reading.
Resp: 12:45:52
